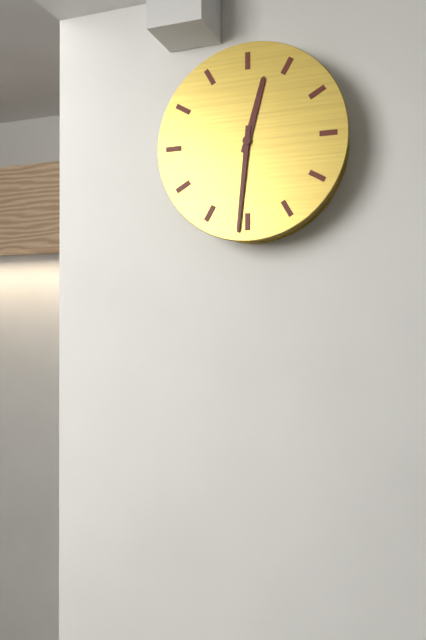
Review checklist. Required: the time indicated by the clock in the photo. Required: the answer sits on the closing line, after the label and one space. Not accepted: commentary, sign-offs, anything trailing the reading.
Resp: 12:31
